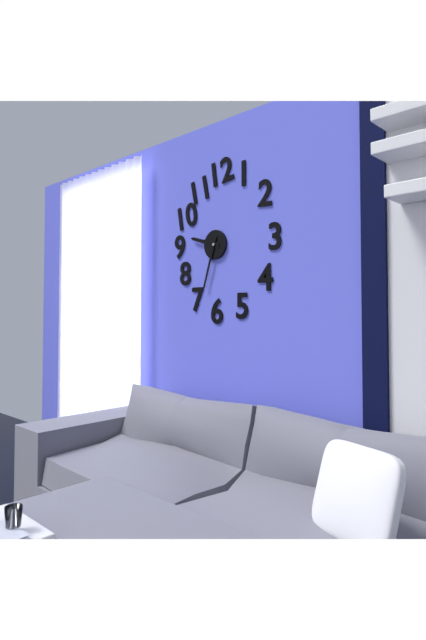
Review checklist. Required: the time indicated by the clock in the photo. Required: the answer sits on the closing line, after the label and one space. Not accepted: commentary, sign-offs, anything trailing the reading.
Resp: 9:33
